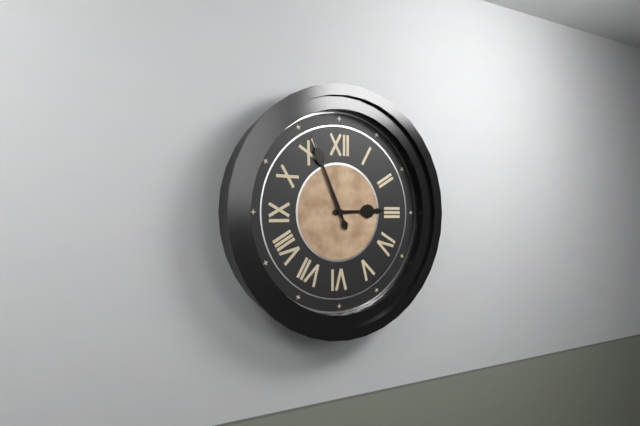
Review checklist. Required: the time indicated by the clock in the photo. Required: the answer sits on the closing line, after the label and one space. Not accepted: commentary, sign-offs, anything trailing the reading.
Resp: 2:56
